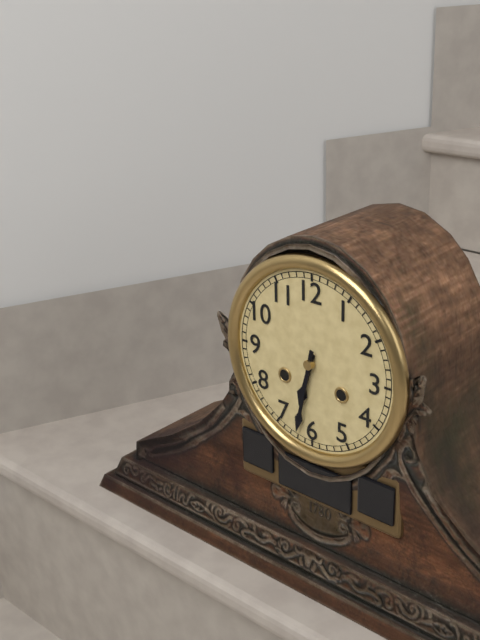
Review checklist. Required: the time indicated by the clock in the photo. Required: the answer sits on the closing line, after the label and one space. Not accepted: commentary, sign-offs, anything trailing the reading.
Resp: 6:32
